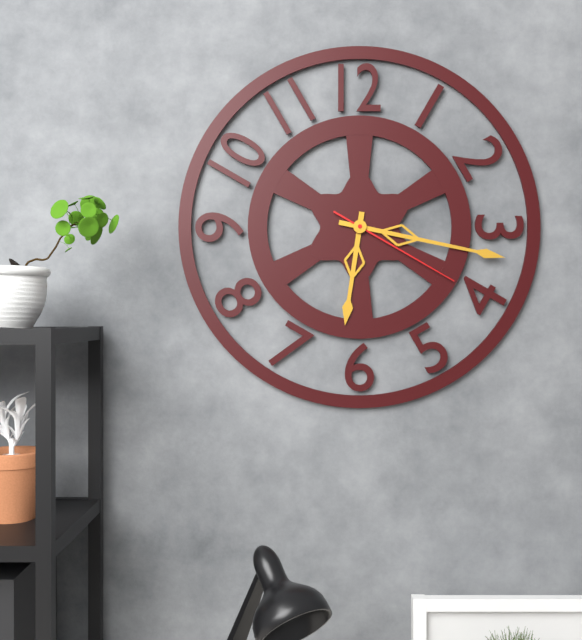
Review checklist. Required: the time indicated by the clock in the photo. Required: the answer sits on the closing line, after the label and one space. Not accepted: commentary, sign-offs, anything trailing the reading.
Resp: 6:17:20
